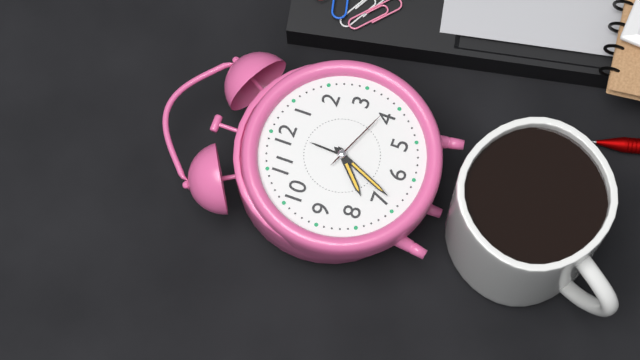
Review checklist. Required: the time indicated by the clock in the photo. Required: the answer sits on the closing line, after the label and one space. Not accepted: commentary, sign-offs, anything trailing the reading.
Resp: 7:34:19
